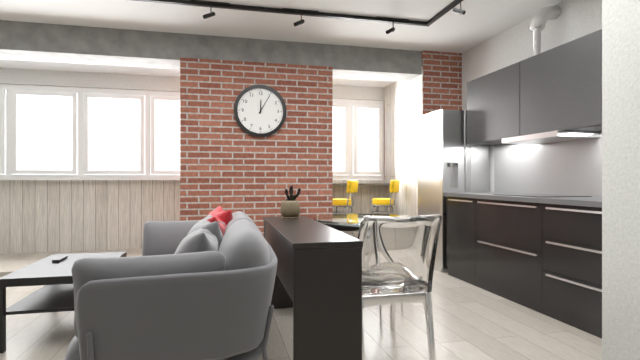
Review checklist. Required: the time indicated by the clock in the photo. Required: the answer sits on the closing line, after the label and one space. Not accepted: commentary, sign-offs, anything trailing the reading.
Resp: 12:05
